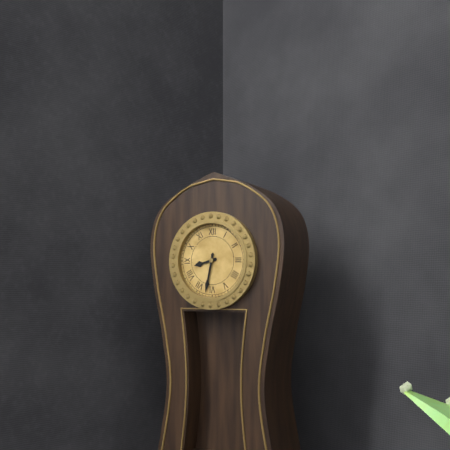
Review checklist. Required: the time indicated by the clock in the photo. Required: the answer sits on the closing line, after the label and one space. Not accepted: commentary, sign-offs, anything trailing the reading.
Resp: 8:32
